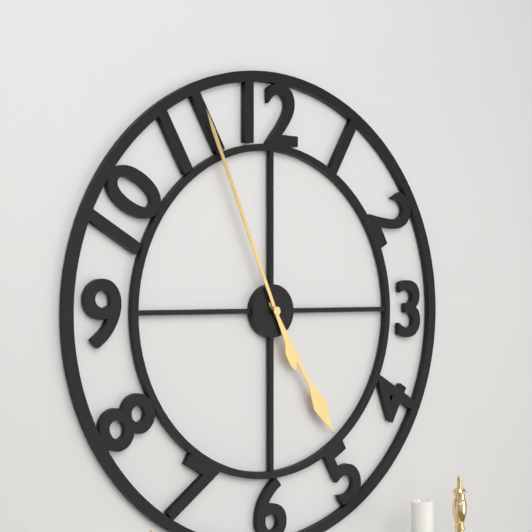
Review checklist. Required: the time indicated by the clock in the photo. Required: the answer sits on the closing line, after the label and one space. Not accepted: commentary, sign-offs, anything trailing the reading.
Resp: 4:56
